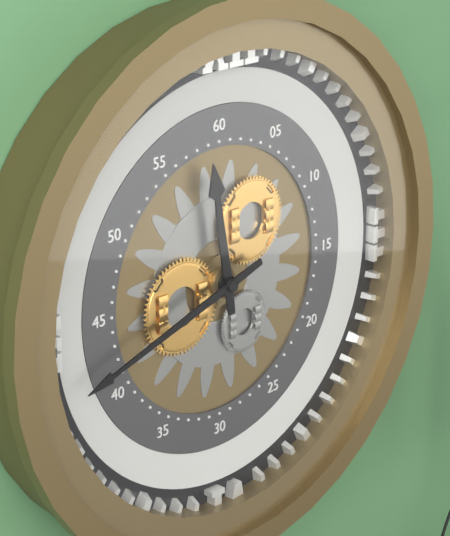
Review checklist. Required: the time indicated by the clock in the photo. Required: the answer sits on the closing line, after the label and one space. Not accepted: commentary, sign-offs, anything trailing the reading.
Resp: 11:42
